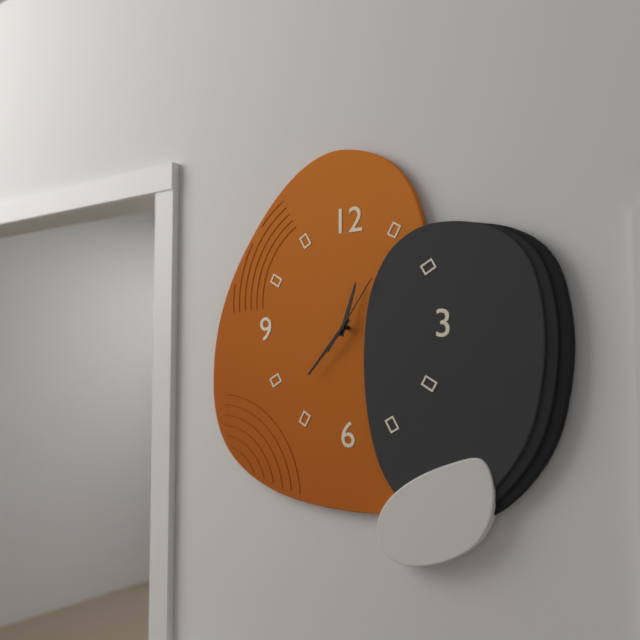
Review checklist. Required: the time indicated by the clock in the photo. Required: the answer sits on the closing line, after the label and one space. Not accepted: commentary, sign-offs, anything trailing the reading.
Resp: 12:37:06
